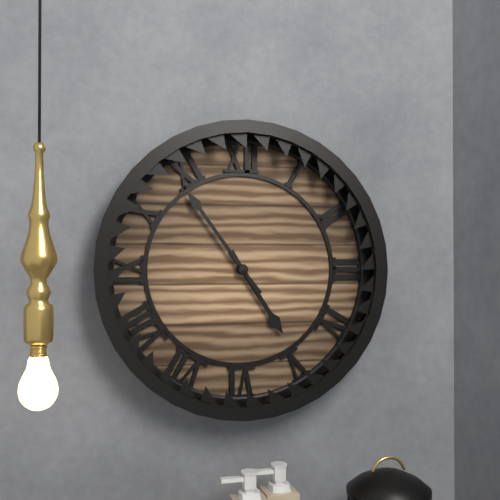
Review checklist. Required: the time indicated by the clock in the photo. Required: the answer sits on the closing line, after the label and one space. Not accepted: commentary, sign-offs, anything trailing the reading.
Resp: 4:54
